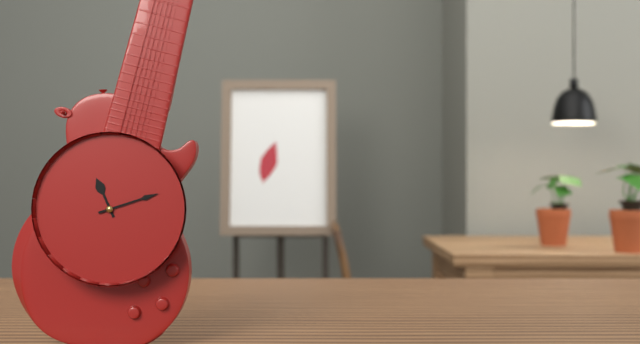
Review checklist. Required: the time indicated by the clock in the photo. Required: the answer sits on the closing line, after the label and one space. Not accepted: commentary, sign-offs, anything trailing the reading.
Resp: 11:12
